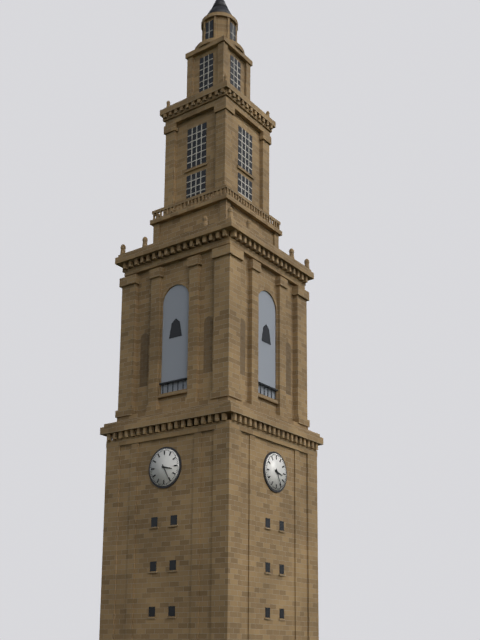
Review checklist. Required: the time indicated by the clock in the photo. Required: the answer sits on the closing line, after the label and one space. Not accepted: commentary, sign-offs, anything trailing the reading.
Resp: 3:25
